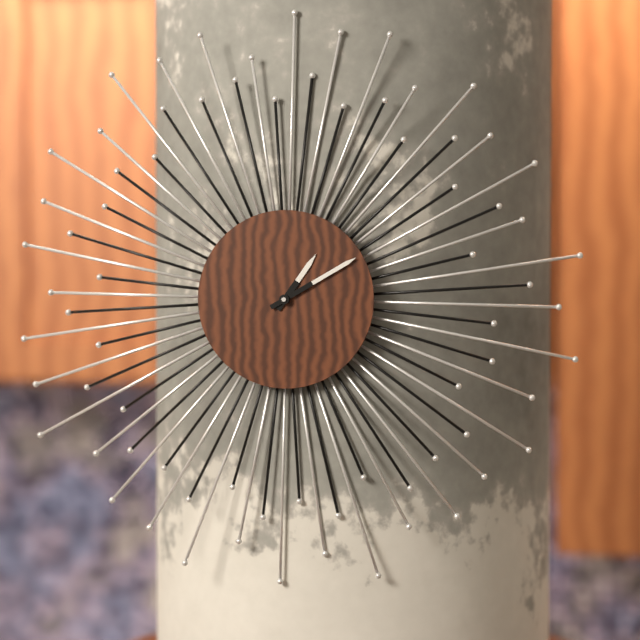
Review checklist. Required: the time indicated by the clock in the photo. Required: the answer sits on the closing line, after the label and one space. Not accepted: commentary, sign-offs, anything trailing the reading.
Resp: 1:10
